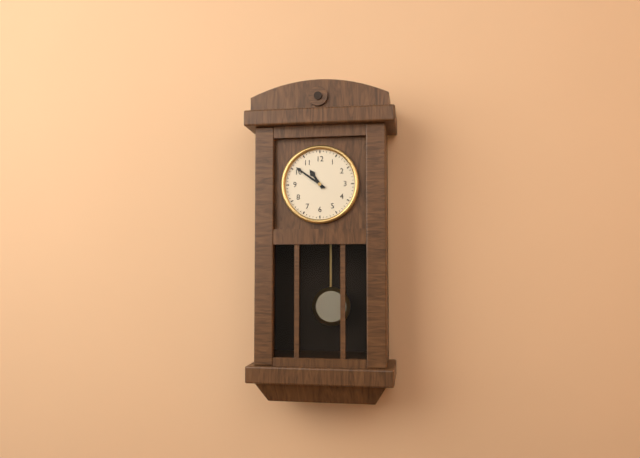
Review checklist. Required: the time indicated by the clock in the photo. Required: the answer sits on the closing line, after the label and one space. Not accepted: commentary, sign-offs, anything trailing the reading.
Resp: 10:51
